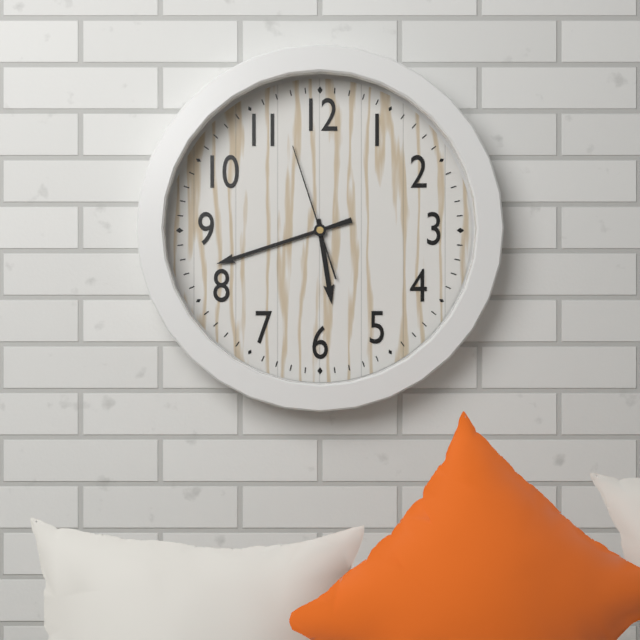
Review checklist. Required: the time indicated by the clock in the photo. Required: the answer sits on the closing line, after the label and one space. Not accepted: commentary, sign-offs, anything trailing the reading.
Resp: 5:42:57
